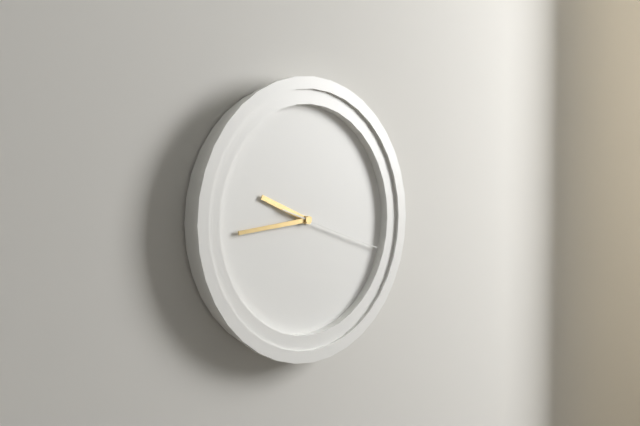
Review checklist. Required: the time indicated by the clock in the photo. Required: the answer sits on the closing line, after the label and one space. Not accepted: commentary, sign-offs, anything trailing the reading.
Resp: 9:44:18
